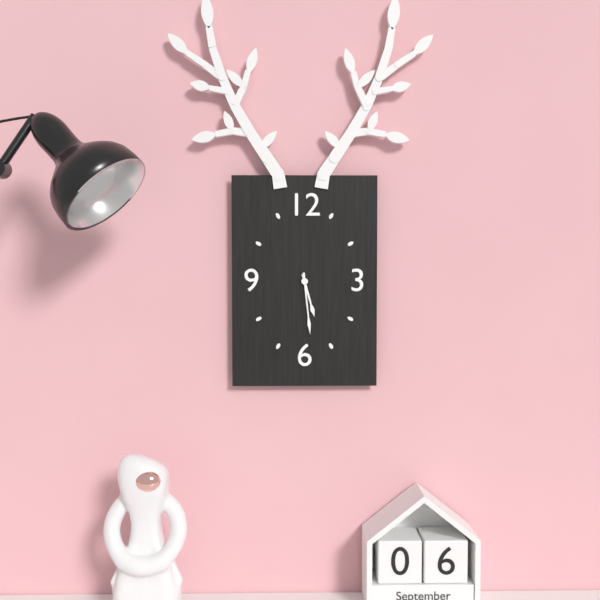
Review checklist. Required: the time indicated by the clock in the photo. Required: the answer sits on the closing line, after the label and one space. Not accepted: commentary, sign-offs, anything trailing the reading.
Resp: 5:29
